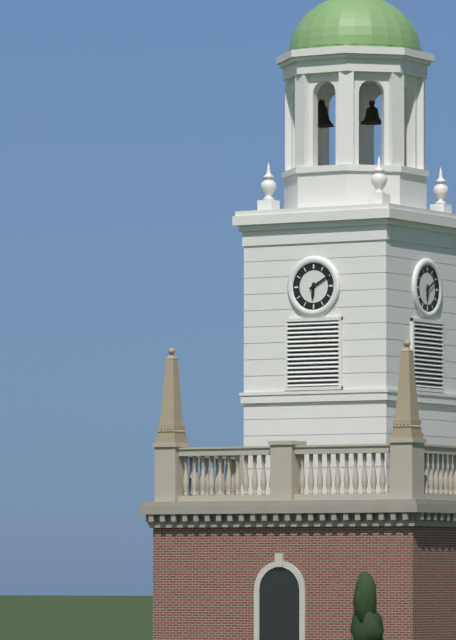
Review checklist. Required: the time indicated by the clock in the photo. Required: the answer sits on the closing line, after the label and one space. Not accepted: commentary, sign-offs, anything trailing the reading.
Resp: 6:10
